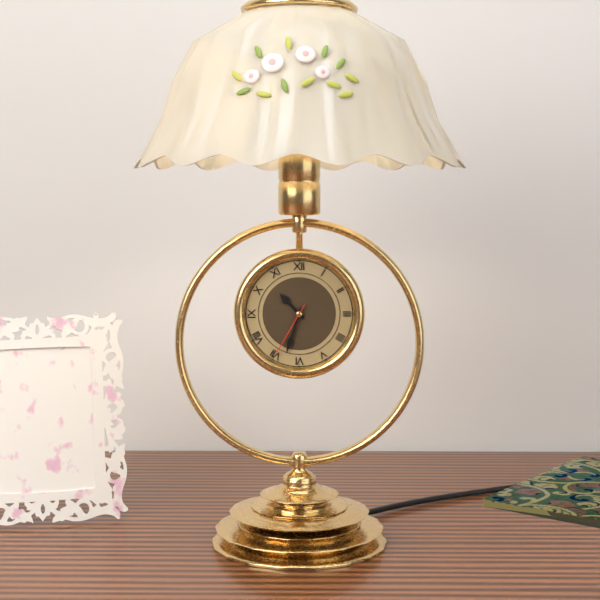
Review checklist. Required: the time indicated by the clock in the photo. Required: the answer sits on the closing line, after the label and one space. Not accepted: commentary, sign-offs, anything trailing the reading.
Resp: 10:33:35
